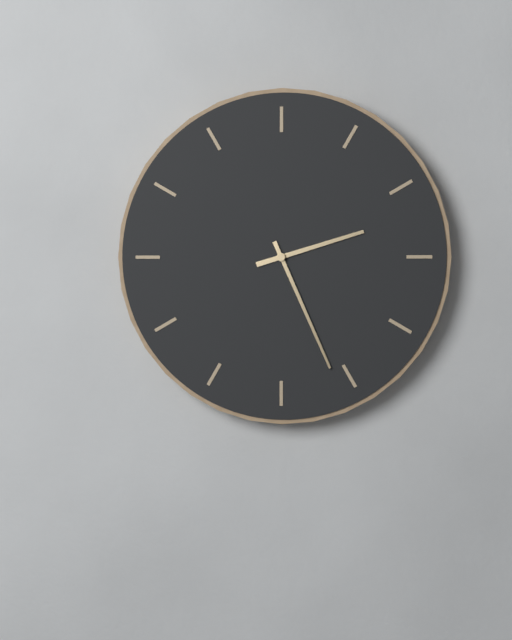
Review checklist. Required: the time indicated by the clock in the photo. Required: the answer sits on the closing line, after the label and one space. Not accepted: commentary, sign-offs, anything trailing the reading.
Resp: 2:26
